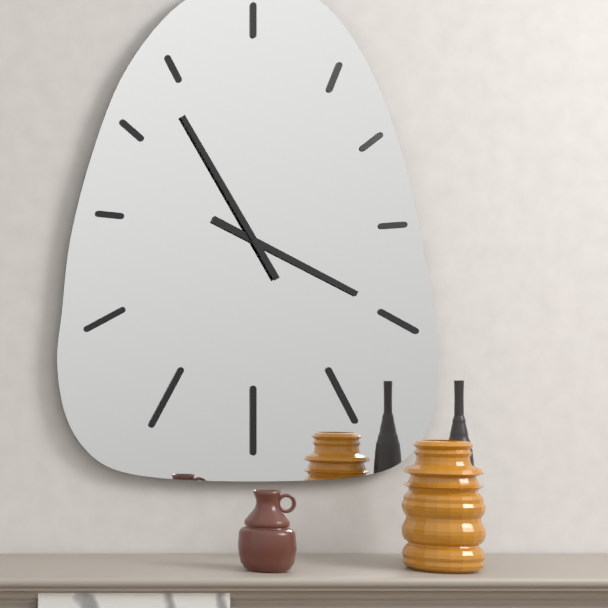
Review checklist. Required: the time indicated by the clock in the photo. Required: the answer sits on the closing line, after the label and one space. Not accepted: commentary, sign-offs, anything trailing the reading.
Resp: 3:55
